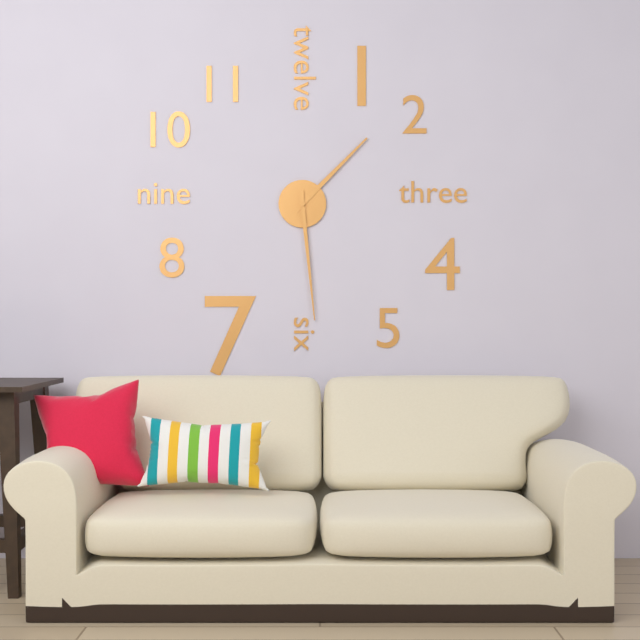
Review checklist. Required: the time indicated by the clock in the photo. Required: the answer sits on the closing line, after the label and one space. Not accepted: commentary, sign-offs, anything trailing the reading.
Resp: 1:29
